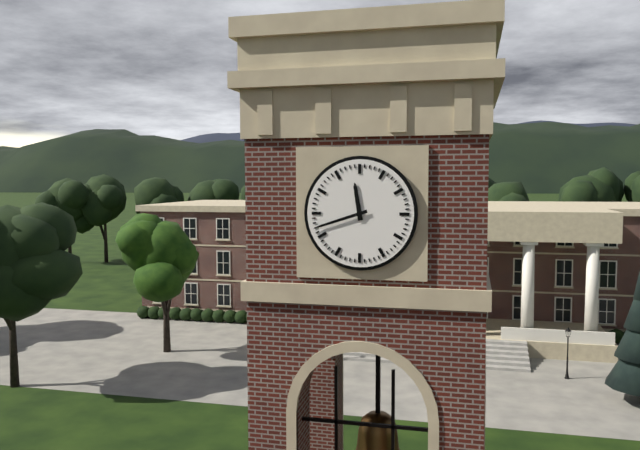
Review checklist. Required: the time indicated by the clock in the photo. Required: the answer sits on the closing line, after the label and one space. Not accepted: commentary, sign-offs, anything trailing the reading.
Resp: 11:42
